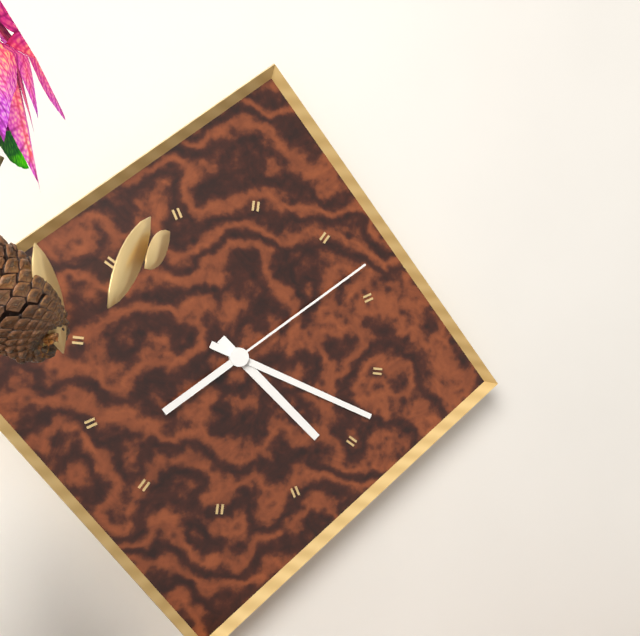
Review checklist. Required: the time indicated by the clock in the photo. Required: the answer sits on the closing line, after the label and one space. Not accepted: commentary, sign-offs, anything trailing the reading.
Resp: 4:18:08
